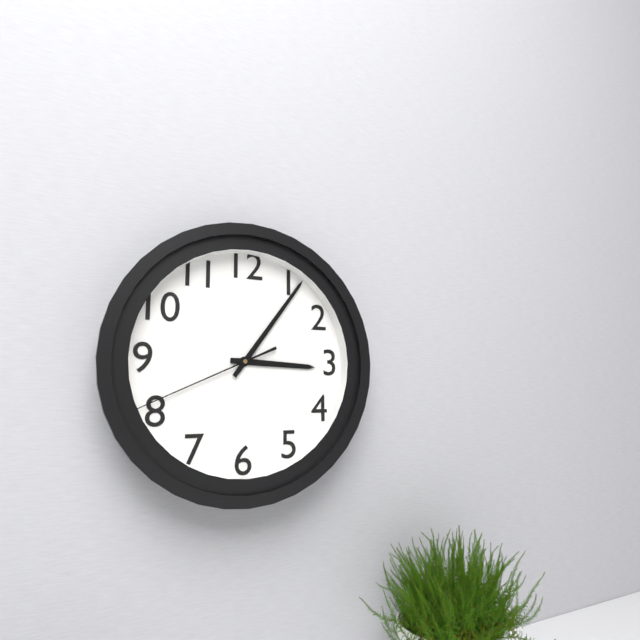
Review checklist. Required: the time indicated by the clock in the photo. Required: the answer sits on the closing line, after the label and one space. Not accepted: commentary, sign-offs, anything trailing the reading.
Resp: 3:06:41
